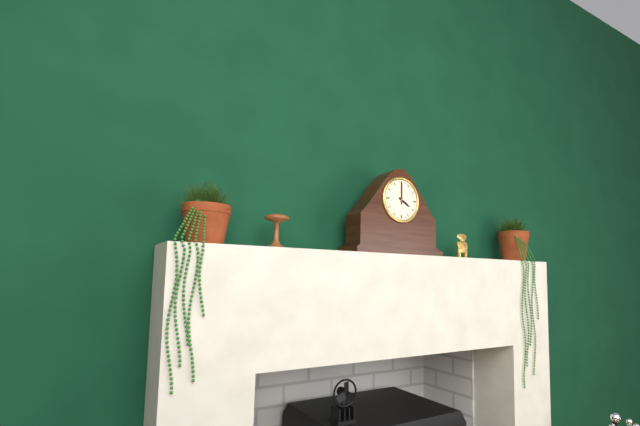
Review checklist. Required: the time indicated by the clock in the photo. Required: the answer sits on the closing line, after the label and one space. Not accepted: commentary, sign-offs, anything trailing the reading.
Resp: 4:00
